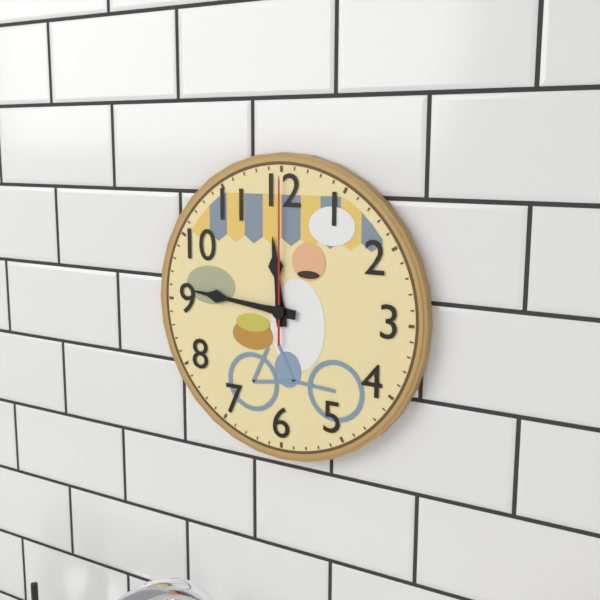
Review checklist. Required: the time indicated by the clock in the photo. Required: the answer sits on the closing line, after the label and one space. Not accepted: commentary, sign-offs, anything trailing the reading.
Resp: 11:46:00
